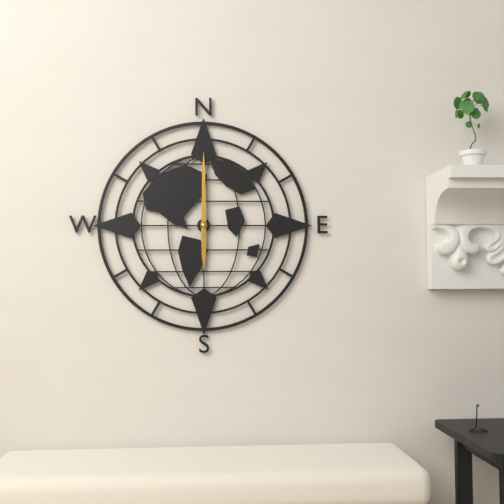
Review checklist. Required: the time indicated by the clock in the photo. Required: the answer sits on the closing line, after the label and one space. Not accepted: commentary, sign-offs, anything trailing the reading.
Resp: 6:00
